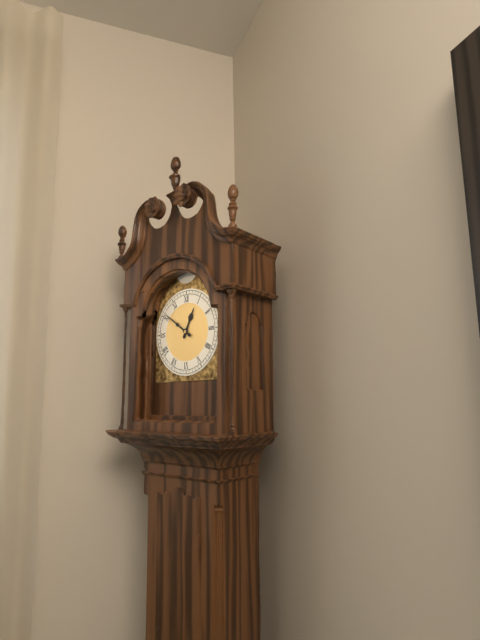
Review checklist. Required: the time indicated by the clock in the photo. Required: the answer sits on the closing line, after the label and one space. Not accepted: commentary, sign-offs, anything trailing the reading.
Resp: 12:51
